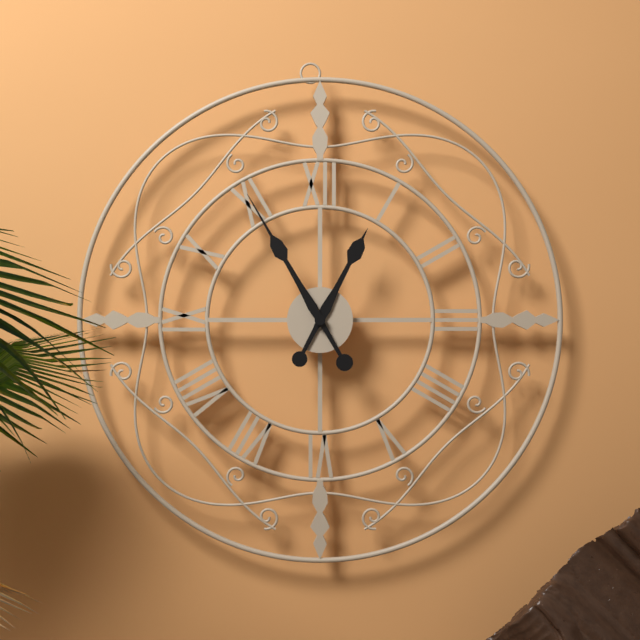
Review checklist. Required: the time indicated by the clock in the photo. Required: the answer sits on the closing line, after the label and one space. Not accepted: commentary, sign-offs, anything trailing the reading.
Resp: 12:55
